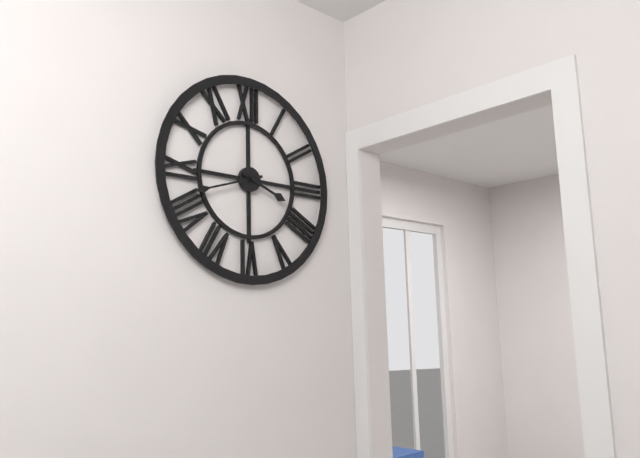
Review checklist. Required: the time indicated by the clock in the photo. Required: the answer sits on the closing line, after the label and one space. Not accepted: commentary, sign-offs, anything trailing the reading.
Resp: 3:42
